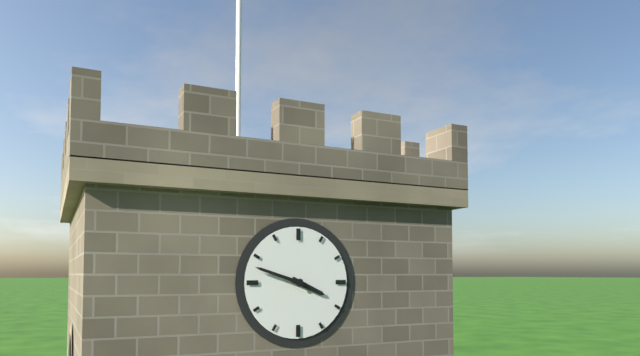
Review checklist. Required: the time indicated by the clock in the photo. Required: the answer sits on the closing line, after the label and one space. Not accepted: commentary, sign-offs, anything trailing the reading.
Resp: 3:48
